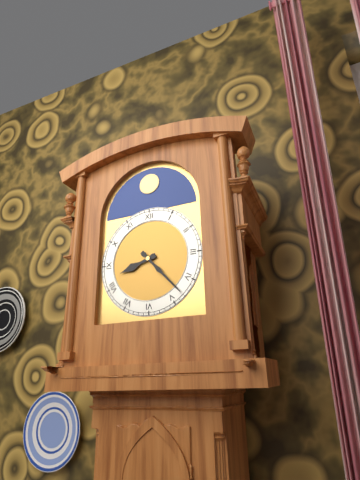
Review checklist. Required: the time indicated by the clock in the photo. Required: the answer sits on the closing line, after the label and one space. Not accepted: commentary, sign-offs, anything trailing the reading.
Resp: 8:23
